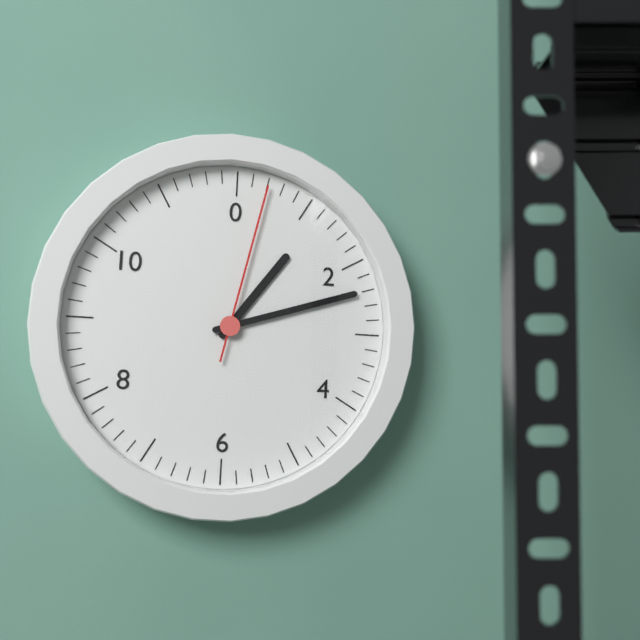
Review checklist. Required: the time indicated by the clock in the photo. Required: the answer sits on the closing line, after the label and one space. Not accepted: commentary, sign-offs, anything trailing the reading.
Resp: 1:12:02
